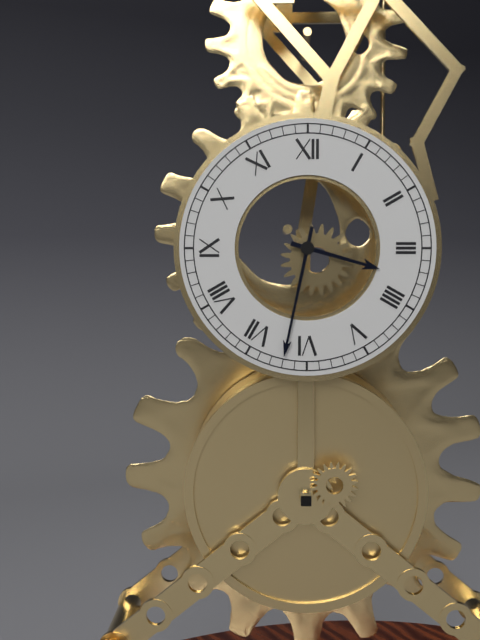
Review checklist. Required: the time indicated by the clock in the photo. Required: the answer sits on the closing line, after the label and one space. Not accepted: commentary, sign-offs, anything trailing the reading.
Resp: 3:32
